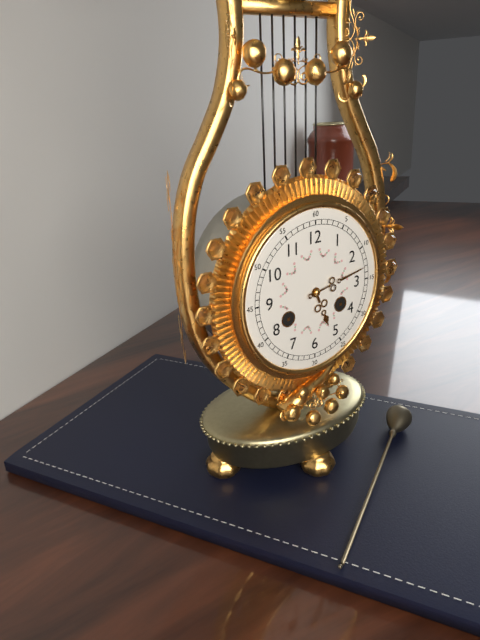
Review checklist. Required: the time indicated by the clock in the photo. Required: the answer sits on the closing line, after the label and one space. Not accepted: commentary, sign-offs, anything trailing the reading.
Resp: 5:13
